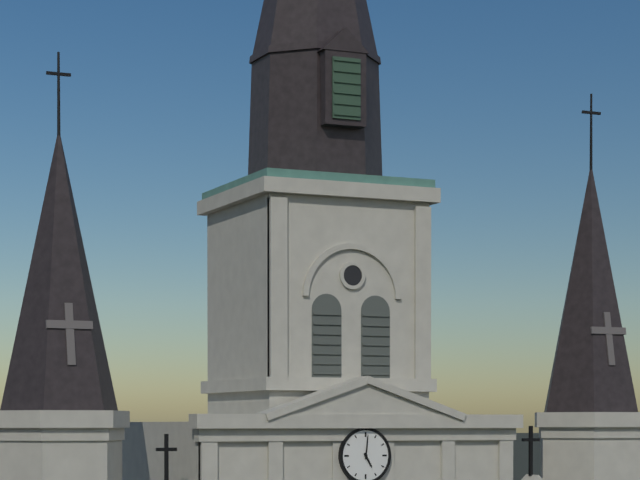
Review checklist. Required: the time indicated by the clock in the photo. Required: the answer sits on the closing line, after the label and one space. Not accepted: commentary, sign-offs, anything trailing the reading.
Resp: 5:01
